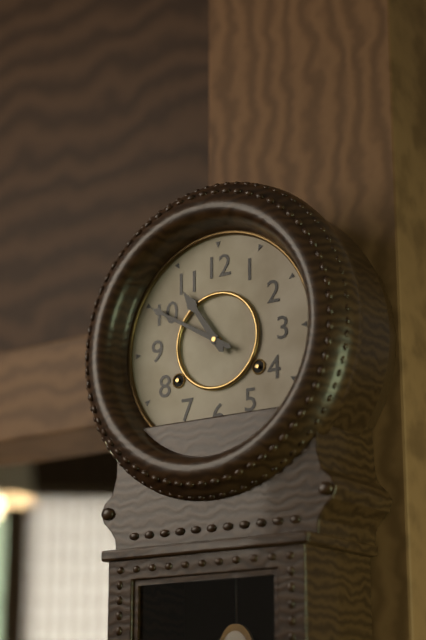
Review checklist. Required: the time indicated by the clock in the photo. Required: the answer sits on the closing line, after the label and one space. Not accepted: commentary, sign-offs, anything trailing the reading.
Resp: 10:50
